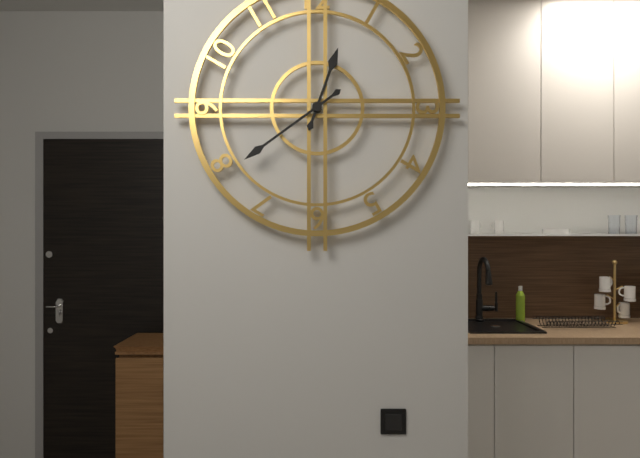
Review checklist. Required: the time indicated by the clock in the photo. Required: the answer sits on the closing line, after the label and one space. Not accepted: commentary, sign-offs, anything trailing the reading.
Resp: 12:39
